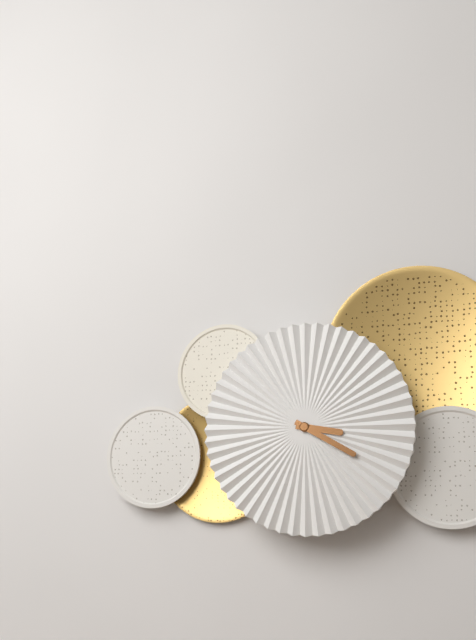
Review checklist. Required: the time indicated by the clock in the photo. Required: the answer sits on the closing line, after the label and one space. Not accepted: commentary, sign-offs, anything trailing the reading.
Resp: 3:20
